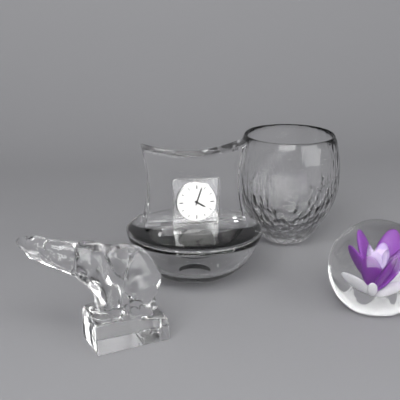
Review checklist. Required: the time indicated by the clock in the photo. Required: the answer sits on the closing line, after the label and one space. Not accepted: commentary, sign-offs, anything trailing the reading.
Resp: 4:03
